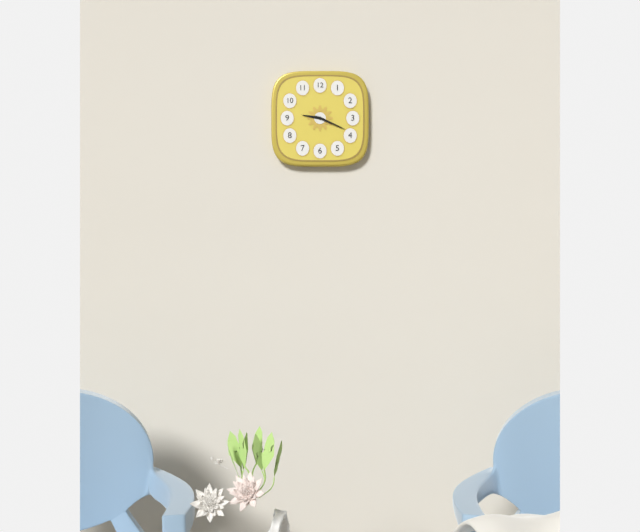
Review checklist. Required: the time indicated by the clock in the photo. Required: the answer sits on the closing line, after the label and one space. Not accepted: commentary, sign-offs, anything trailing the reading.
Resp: 9:19
